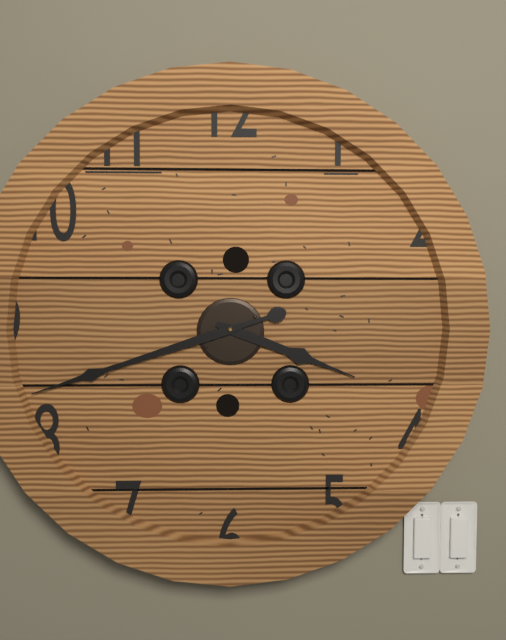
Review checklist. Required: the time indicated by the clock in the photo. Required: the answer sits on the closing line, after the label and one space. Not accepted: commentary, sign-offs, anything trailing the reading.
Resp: 3:42
